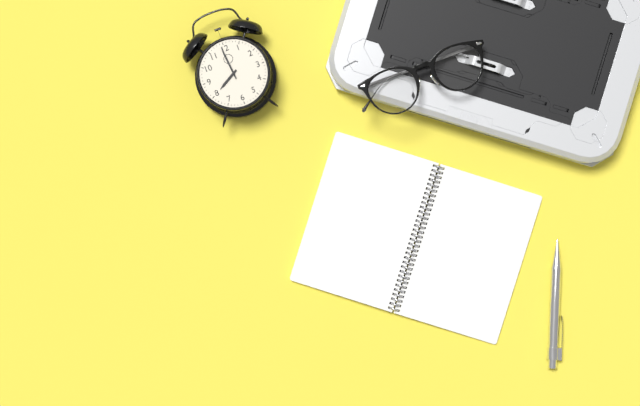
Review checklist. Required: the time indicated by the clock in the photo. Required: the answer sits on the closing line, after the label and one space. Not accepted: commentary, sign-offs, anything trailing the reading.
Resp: 7:59
